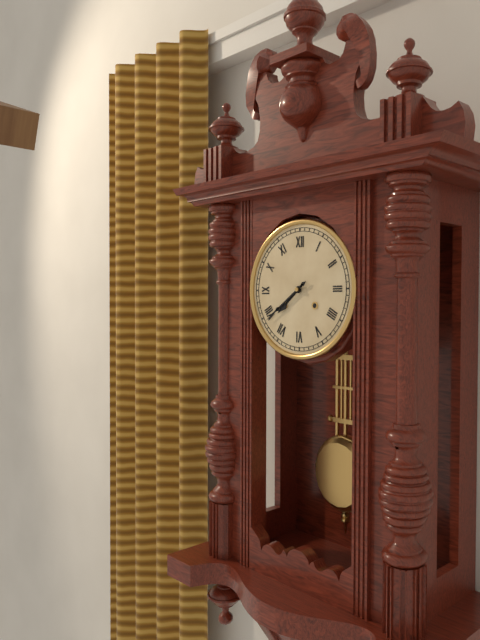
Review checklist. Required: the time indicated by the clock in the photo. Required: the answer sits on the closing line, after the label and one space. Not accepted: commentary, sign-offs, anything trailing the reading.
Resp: 7:39
